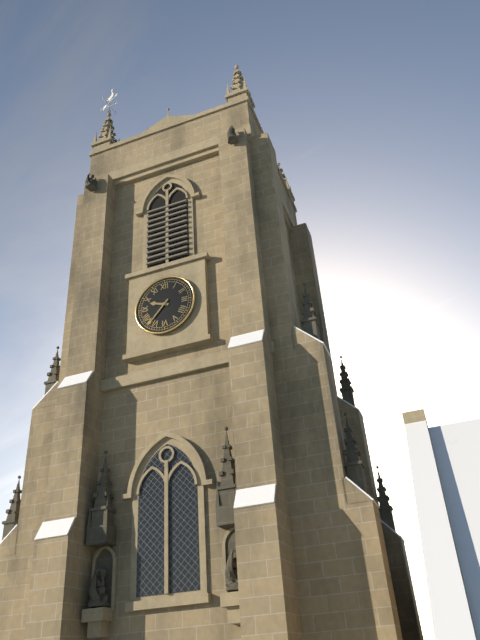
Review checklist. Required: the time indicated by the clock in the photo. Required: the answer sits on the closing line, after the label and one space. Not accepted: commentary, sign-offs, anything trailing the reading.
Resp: 9:37
